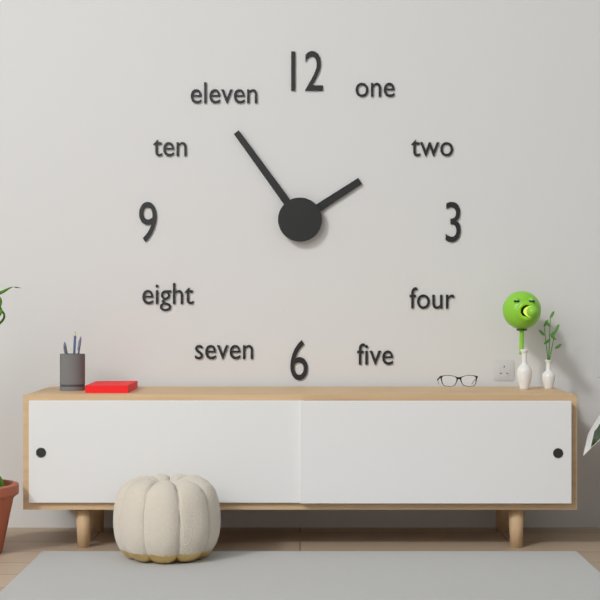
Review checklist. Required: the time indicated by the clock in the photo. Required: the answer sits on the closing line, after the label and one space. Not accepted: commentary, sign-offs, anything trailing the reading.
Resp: 1:54
